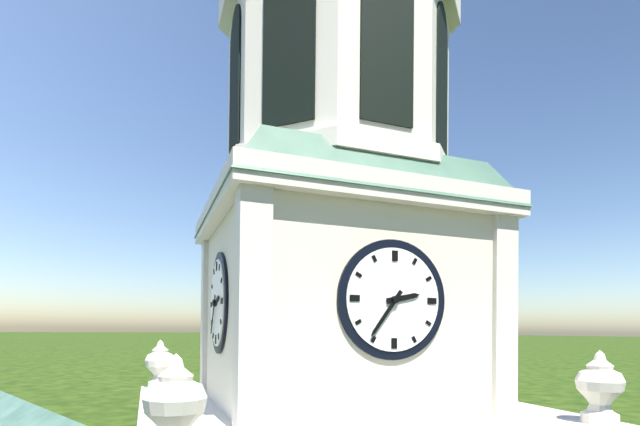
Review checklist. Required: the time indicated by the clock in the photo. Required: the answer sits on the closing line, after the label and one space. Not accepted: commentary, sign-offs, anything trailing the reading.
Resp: 2:36
